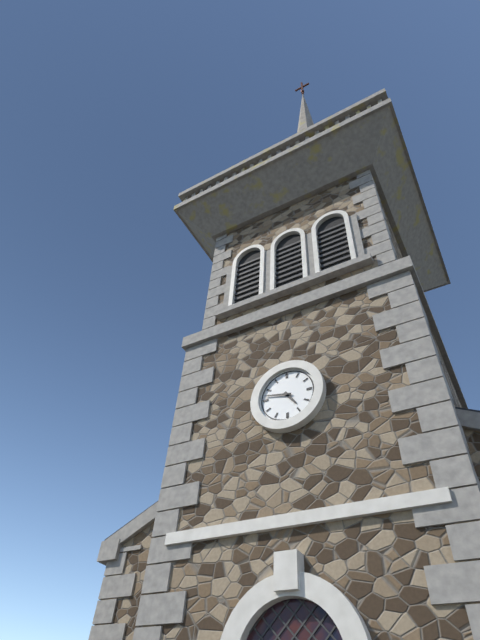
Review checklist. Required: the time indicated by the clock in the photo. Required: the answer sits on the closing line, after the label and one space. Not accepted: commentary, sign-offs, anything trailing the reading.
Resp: 4:47
